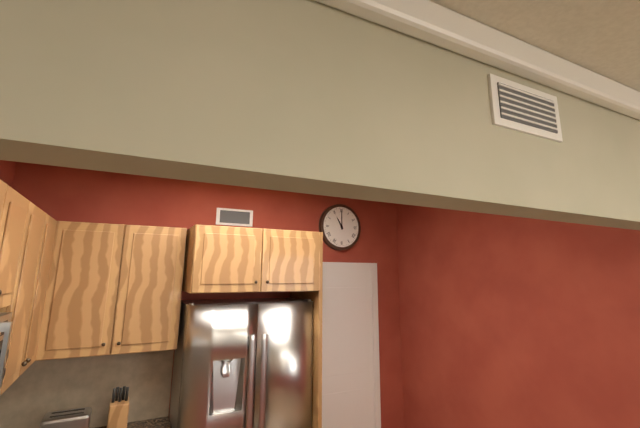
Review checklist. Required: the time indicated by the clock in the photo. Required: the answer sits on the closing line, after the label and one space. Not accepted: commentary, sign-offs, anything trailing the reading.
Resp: 11:00
